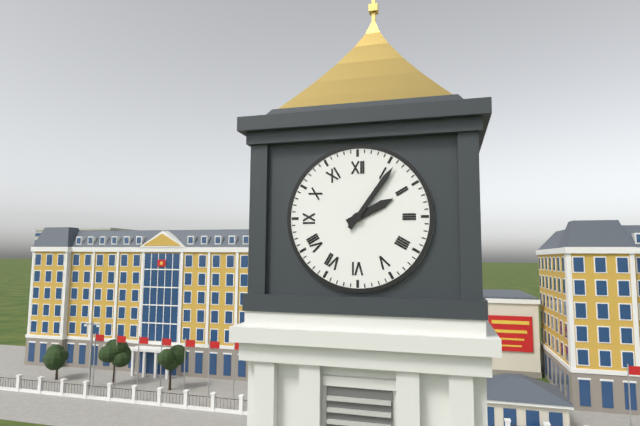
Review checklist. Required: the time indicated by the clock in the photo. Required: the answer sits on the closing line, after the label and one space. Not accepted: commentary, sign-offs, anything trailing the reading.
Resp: 2:06
